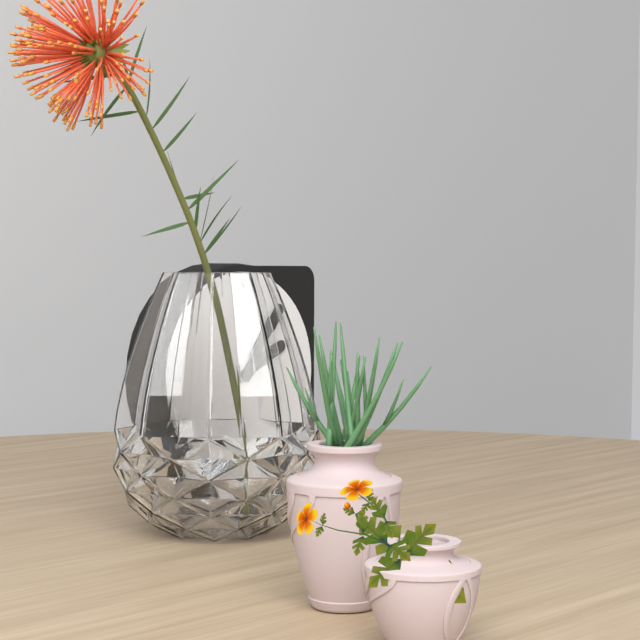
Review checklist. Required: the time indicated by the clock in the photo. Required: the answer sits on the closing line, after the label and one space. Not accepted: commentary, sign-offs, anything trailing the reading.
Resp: 2:06
